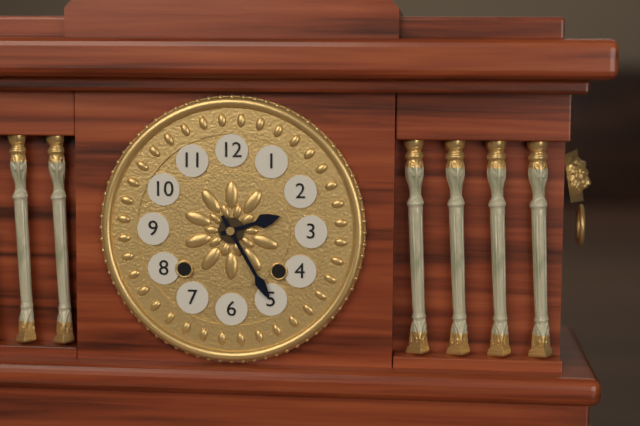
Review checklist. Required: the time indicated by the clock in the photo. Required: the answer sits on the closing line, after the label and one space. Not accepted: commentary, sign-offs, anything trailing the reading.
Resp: 2:25
